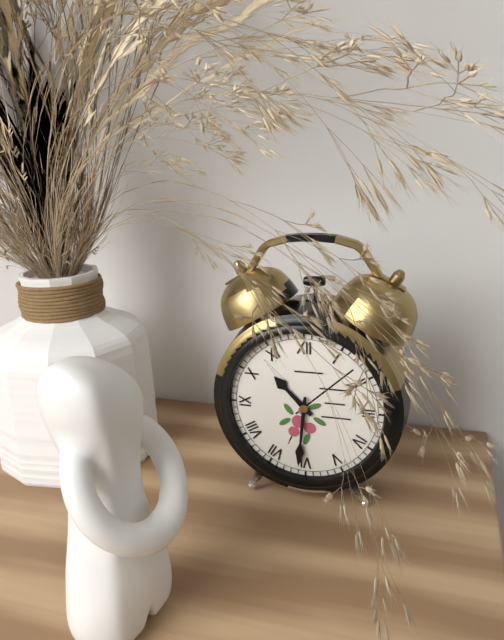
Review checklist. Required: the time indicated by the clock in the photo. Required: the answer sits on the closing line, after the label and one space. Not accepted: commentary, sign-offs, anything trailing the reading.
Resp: 10:31
